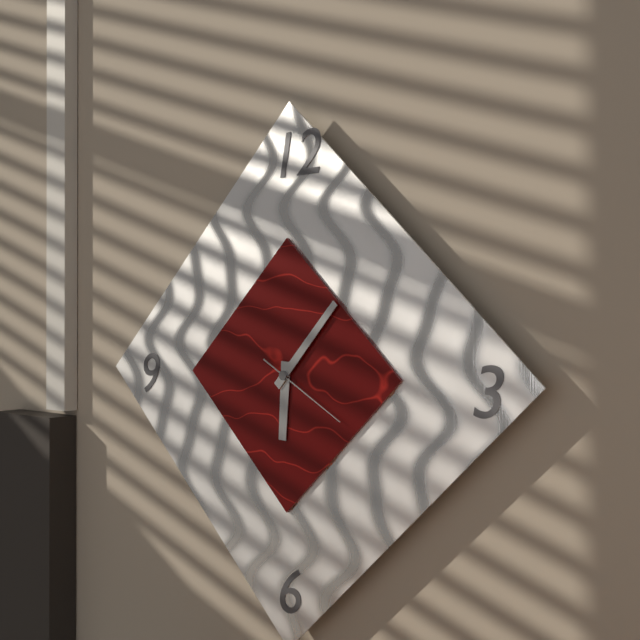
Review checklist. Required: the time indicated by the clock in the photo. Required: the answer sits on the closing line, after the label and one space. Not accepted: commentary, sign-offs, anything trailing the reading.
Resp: 6:07:20
